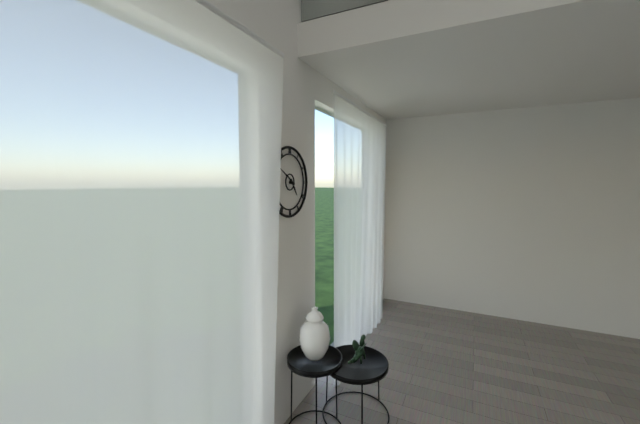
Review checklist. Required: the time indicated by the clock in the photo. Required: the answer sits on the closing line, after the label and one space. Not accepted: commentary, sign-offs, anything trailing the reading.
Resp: 4:50
